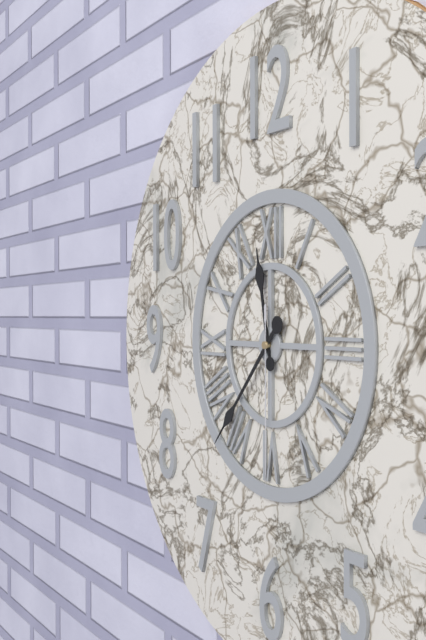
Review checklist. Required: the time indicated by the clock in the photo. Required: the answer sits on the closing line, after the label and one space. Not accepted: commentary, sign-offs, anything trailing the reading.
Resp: 11:37:30
